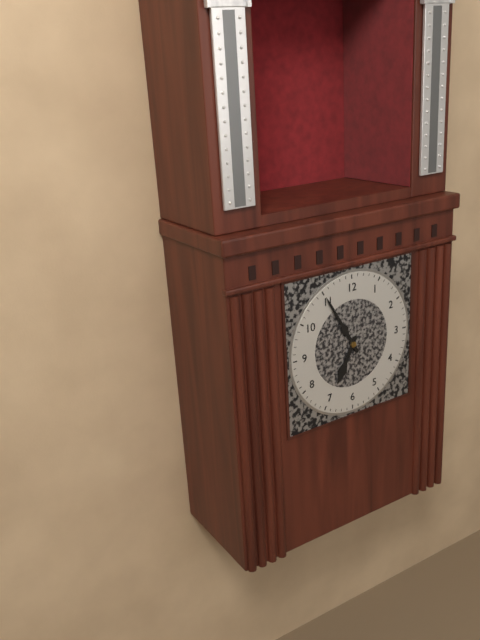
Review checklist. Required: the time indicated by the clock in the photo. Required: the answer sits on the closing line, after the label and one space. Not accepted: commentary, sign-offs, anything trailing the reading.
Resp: 6:55
